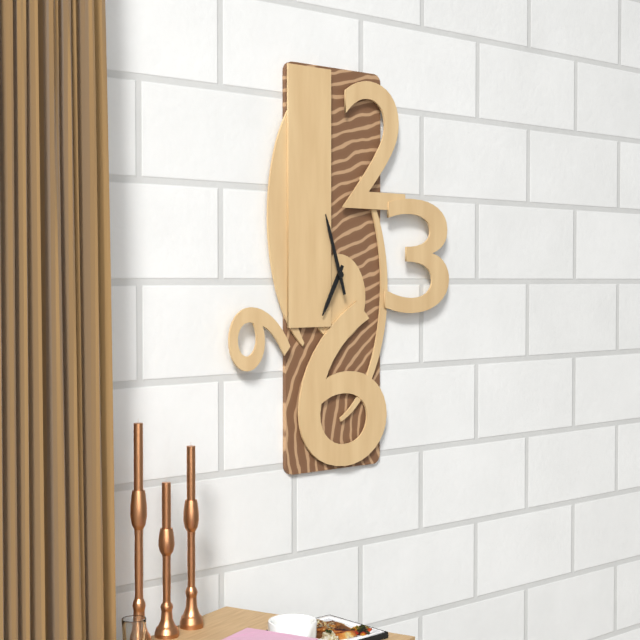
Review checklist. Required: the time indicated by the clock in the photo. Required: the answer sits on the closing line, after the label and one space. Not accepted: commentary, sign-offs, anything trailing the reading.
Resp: 6:57
